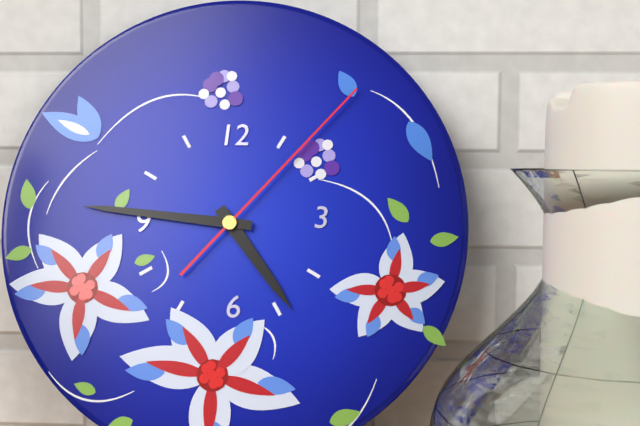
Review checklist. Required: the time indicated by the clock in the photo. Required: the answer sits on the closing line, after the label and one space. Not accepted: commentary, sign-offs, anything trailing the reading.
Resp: 4:46:07
